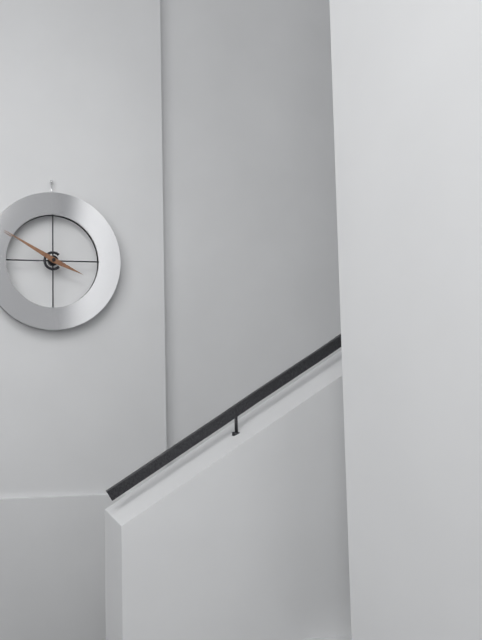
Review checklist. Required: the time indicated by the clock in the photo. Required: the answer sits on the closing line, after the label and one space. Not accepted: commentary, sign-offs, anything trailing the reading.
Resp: 3:50
